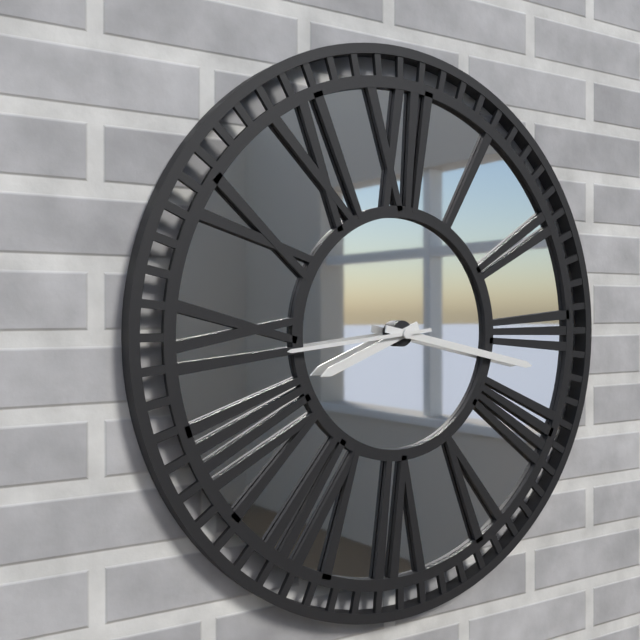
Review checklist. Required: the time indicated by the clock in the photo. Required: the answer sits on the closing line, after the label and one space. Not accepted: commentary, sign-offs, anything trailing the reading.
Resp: 8:17:44
